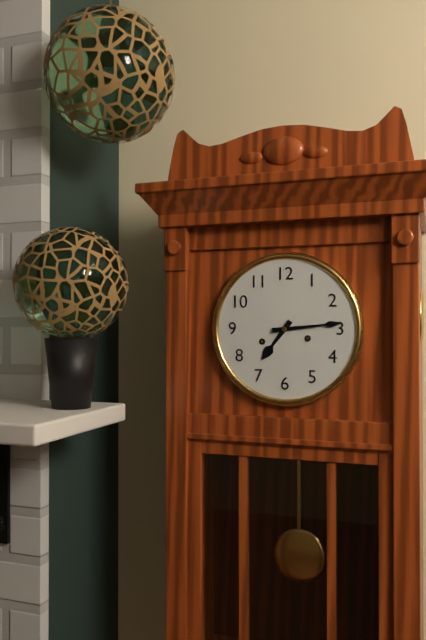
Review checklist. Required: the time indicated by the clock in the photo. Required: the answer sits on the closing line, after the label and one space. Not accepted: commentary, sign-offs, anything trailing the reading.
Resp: 7:14
